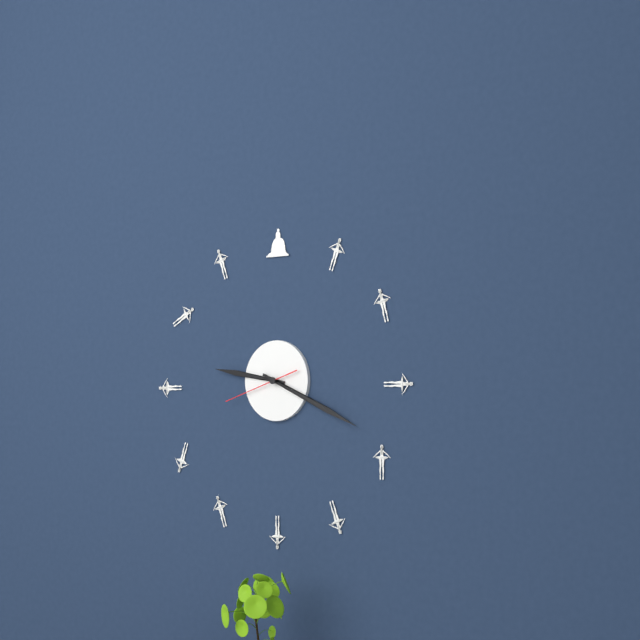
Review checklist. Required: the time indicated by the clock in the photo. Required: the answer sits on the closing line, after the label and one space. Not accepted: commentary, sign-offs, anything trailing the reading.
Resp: 9:19:42
